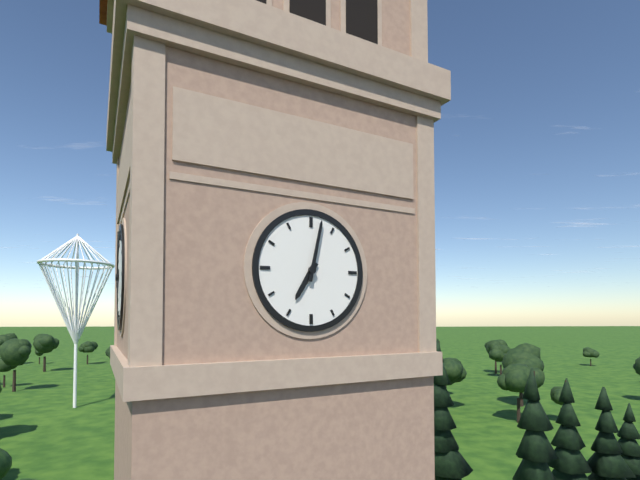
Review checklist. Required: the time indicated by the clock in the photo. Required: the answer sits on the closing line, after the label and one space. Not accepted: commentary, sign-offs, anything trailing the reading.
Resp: 7:02
